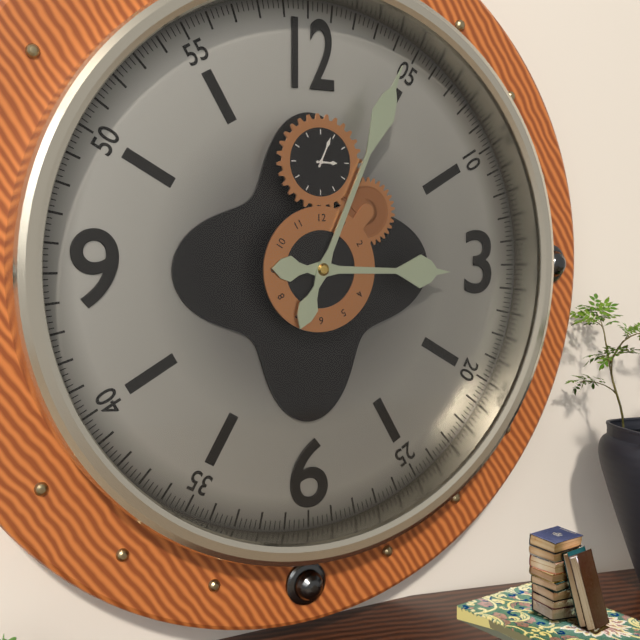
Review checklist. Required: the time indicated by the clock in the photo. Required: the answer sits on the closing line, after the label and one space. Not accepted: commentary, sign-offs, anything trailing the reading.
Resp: 3:04
